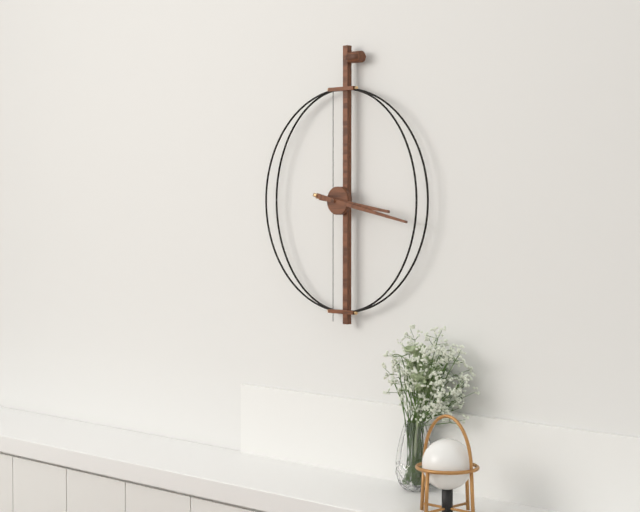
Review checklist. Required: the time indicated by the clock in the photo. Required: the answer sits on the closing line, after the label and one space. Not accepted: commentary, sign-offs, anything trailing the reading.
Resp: 3:17
